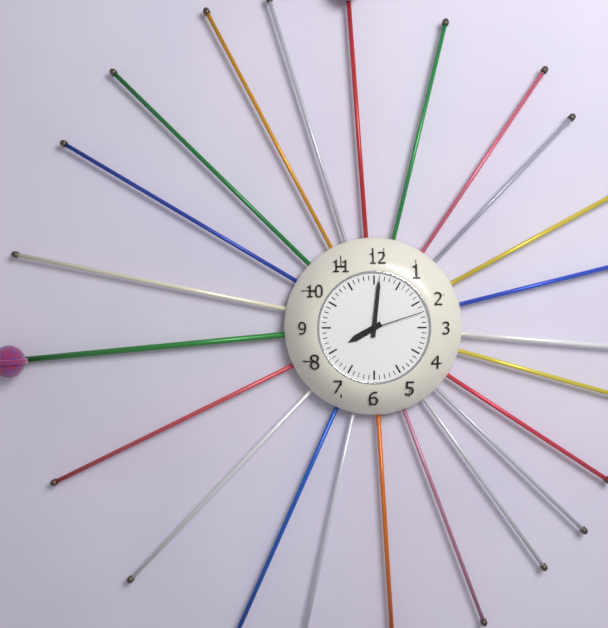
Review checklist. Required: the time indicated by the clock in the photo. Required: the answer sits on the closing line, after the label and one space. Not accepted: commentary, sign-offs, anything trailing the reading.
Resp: 8:01:12
